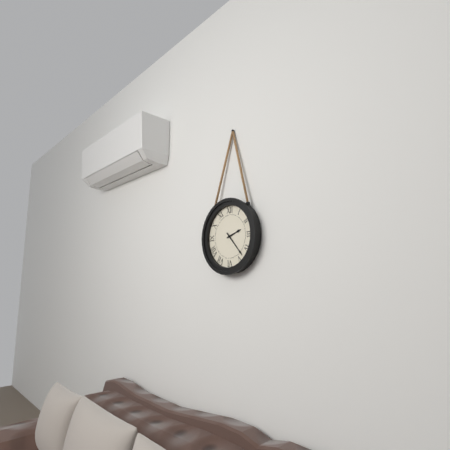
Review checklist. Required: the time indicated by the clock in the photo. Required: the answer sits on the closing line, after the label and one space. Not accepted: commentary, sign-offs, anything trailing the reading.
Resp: 2:23
